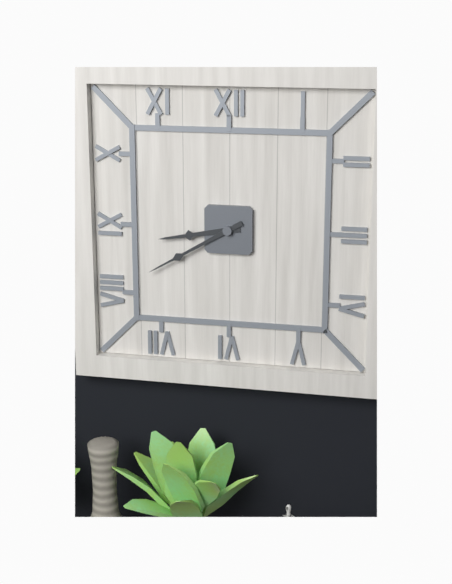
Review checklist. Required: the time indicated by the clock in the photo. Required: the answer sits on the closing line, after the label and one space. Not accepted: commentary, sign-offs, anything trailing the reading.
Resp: 8:40
